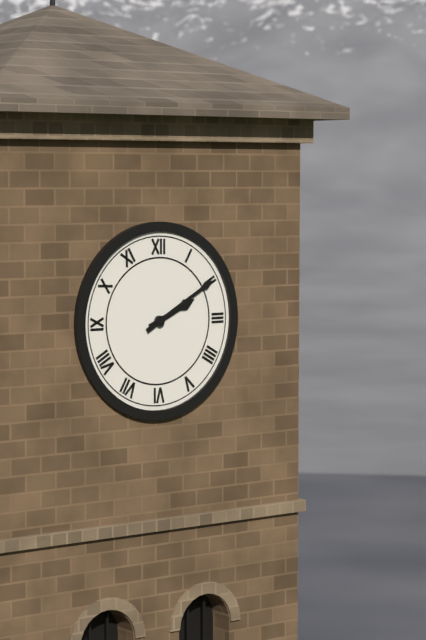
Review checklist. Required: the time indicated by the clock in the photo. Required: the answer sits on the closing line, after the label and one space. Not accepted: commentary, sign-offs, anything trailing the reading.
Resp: 2:10
